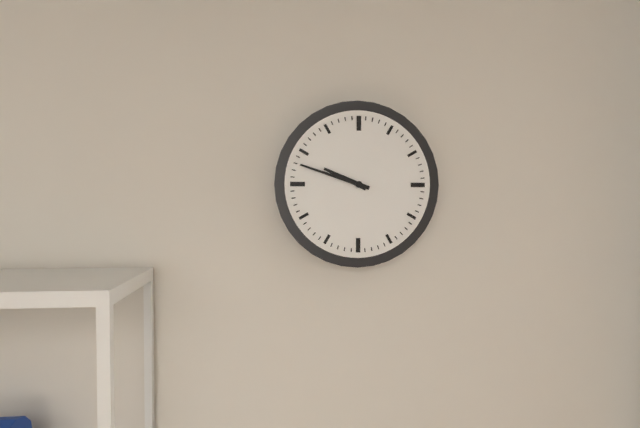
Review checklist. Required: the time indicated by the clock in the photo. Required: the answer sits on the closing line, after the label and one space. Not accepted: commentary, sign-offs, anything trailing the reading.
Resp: 9:48
